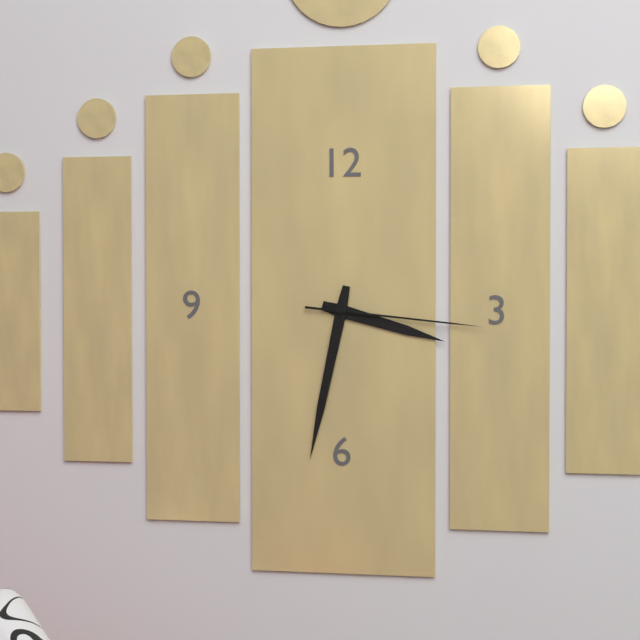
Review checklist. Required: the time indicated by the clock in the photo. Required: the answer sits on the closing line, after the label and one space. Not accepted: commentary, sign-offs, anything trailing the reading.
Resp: 3:32:16
